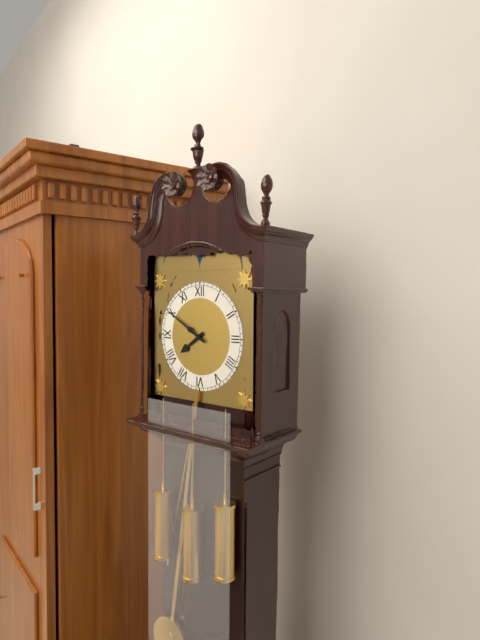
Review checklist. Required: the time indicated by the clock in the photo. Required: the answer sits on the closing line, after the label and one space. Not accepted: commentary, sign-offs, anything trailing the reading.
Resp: 7:50
